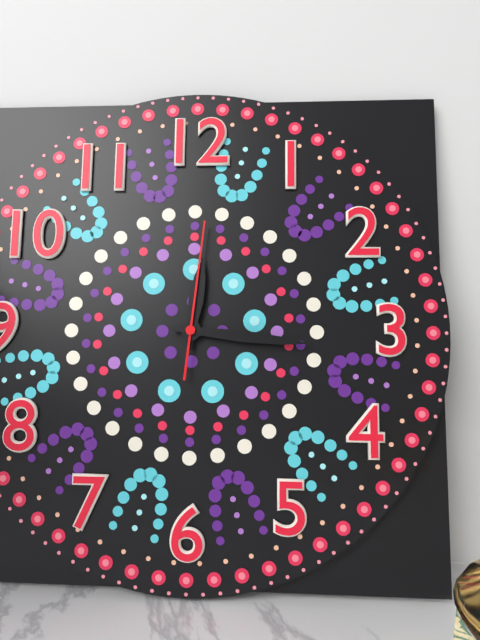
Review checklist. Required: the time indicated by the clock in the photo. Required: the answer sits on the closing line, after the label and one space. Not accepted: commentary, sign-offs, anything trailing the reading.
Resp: 12:16:01
